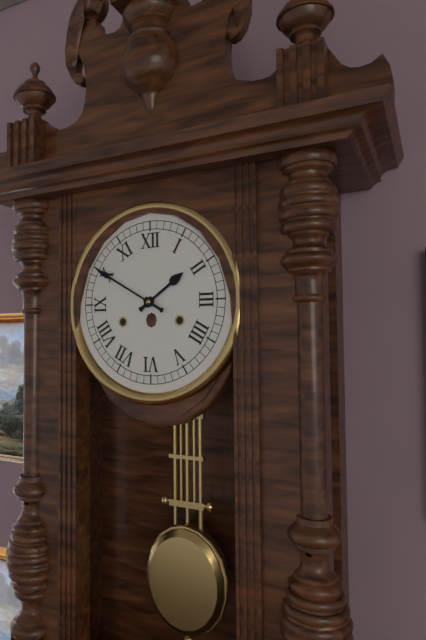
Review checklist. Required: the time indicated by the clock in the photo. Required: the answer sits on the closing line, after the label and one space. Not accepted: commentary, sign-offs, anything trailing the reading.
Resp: 1:50
